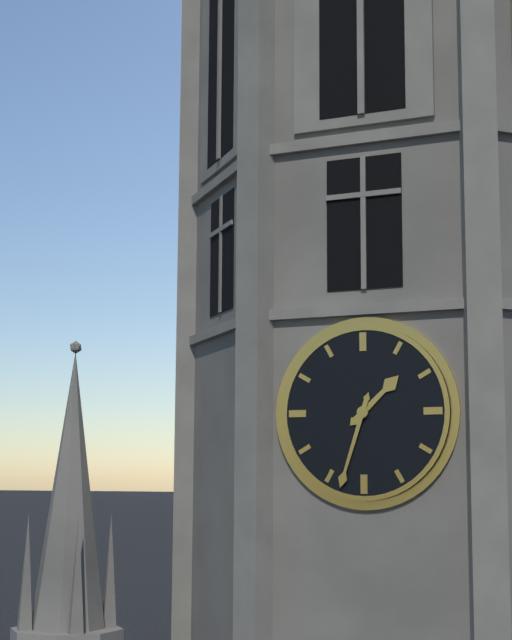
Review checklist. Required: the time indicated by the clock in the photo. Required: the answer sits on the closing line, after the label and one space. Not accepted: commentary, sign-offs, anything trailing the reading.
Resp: 1:33
